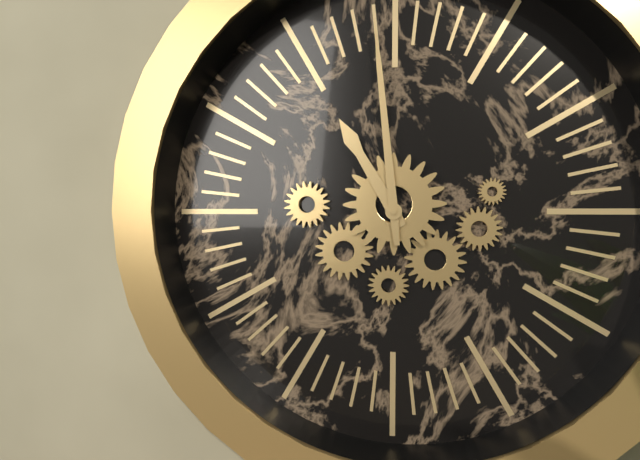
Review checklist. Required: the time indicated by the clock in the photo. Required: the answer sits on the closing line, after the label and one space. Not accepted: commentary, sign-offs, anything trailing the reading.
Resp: 10:59
